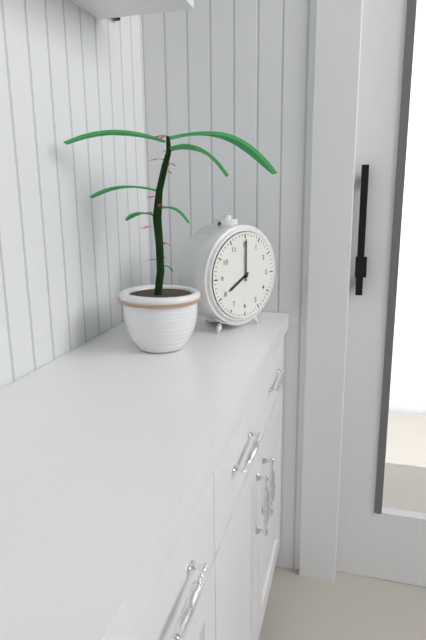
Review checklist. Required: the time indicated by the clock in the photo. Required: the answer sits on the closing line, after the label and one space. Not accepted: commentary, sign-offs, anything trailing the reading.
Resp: 8:00
